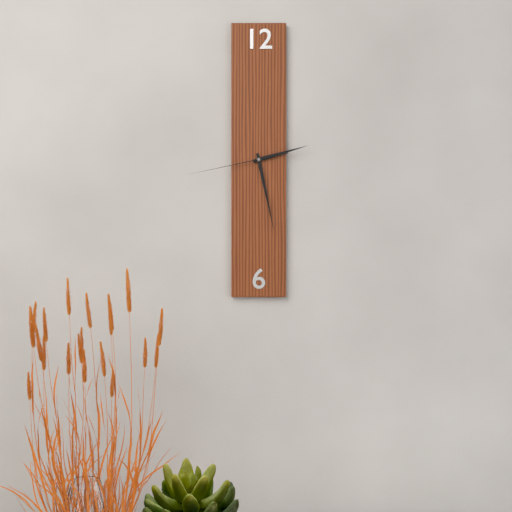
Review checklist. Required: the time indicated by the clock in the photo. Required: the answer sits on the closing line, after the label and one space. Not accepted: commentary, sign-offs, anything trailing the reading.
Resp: 2:28:43
